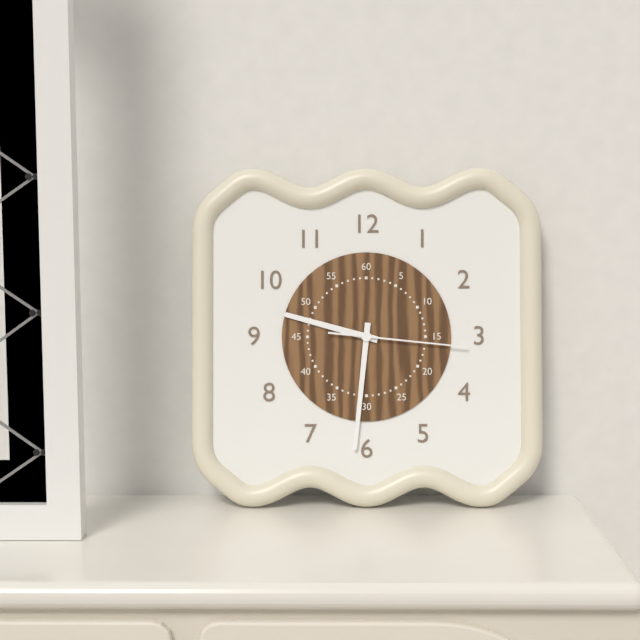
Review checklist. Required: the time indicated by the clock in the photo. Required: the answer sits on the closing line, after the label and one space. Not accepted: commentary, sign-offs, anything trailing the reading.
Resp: 9:31:16
